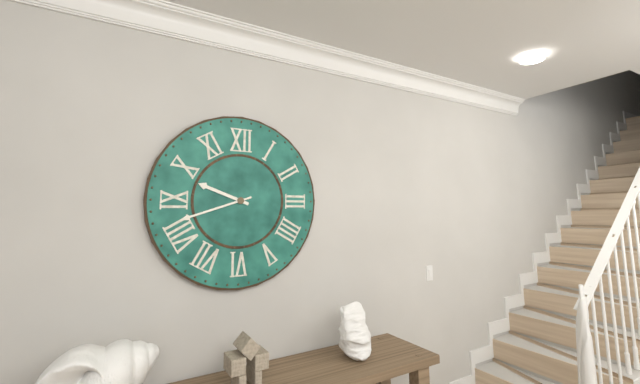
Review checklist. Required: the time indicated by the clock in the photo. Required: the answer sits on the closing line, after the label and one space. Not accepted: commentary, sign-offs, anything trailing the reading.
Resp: 9:42
